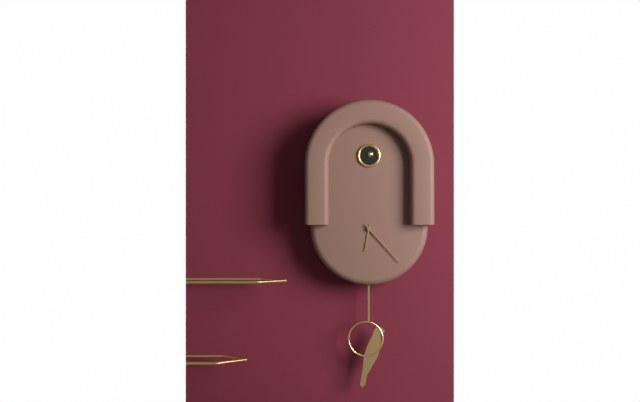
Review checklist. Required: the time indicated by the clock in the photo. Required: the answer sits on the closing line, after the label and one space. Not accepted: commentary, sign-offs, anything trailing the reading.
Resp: 6:23
